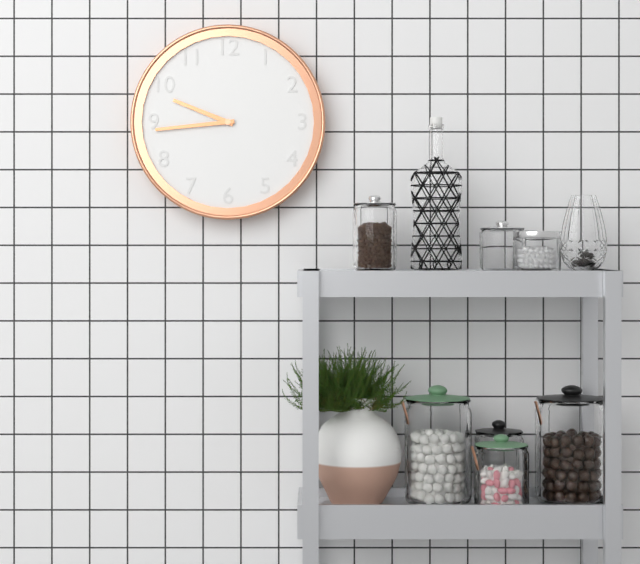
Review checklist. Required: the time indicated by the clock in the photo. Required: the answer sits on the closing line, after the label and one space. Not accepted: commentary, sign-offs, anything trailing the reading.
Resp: 9:44
